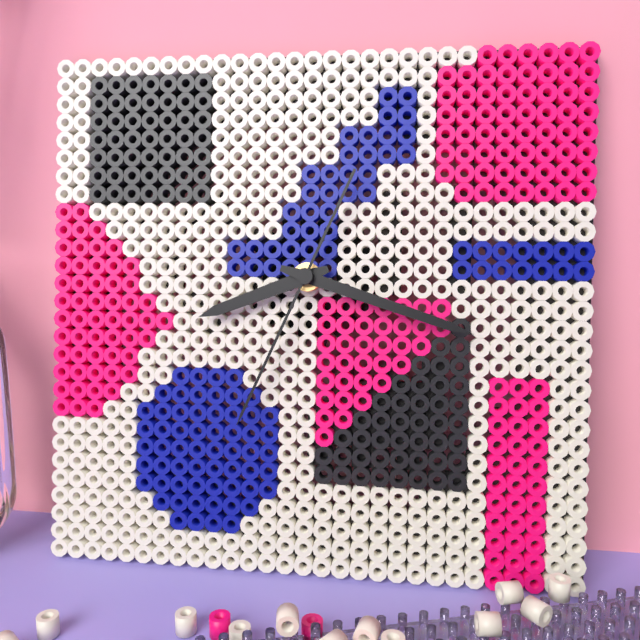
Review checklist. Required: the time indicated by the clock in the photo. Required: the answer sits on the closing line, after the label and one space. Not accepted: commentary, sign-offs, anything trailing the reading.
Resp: 8:18:34
